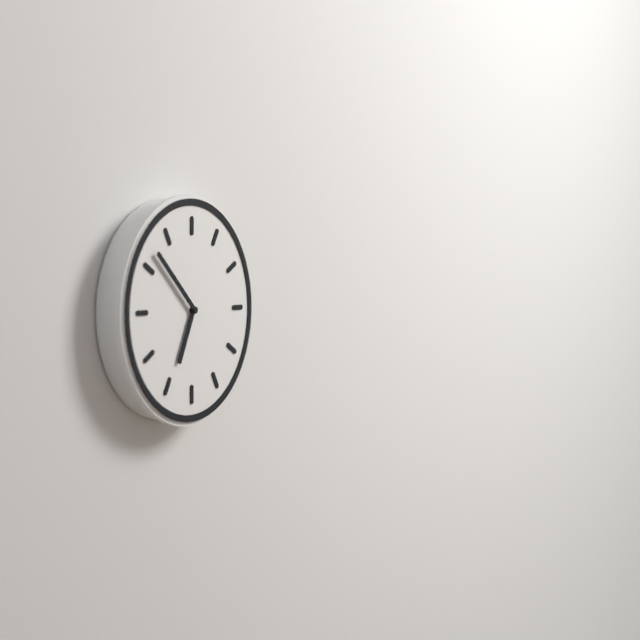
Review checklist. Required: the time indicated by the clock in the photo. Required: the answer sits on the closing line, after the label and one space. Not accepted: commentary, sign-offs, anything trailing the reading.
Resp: 6:52
